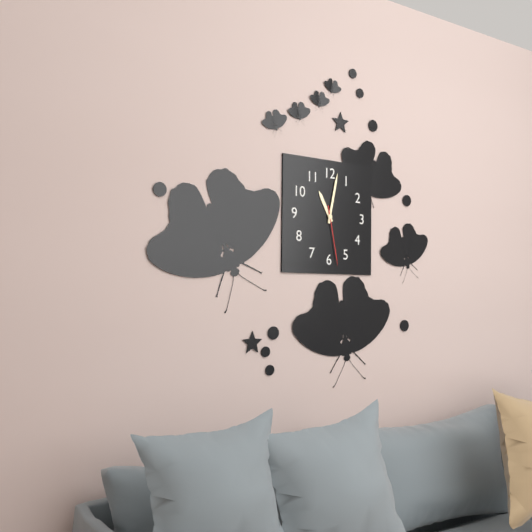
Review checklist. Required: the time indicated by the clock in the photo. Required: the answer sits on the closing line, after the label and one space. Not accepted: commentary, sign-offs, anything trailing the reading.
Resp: 11:02:28
